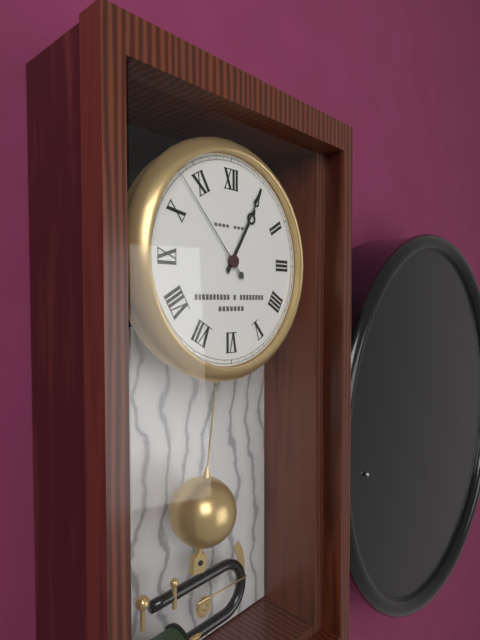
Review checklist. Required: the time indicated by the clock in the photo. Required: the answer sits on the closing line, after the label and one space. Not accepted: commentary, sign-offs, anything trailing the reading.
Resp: 1:05:53
